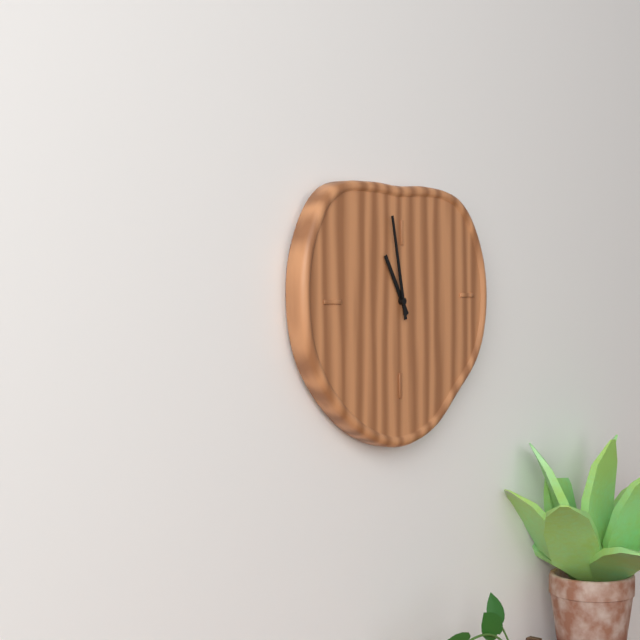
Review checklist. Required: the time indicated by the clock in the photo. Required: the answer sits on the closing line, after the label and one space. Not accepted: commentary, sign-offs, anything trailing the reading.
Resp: 10:58
